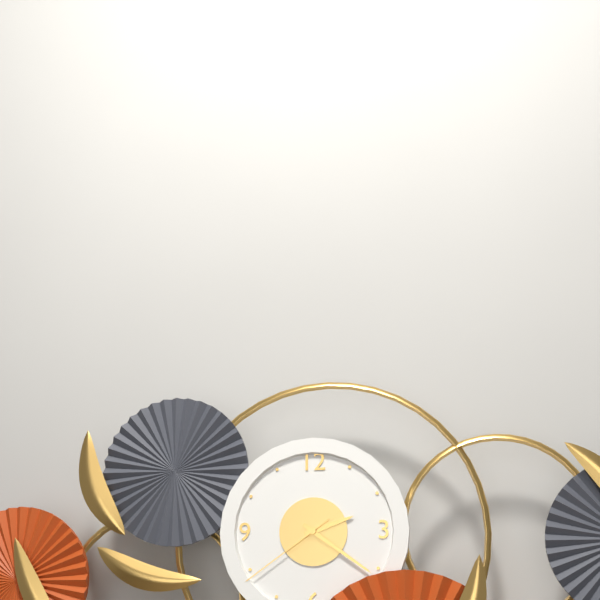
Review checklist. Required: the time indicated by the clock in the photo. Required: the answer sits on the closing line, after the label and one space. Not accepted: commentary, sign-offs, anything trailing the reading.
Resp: 2:21:39
